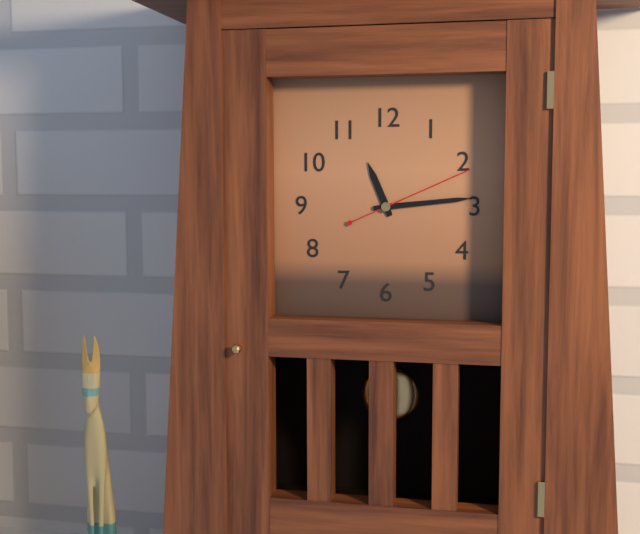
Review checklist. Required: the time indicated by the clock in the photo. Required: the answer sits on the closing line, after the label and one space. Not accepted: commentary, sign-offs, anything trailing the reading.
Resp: 11:14:11
